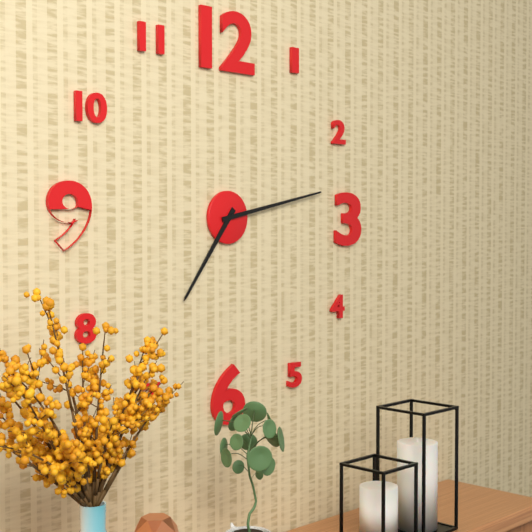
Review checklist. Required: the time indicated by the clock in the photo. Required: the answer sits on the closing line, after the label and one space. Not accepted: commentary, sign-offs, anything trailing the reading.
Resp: 7:13
